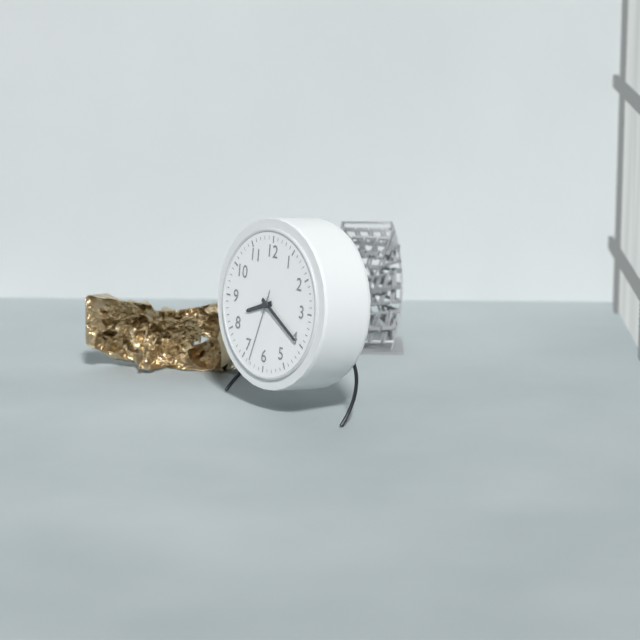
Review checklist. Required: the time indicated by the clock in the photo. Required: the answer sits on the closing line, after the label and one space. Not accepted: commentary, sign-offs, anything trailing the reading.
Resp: 8:20:33
